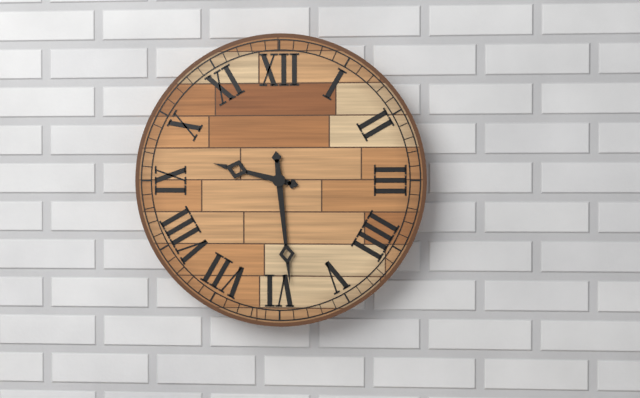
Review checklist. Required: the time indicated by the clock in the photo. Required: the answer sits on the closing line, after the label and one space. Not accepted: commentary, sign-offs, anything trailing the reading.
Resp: 9:29
